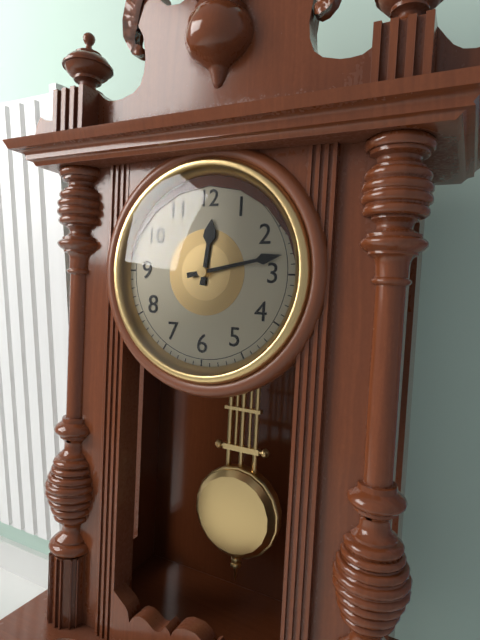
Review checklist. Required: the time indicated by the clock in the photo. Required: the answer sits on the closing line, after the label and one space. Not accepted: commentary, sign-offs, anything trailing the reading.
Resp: 12:13
